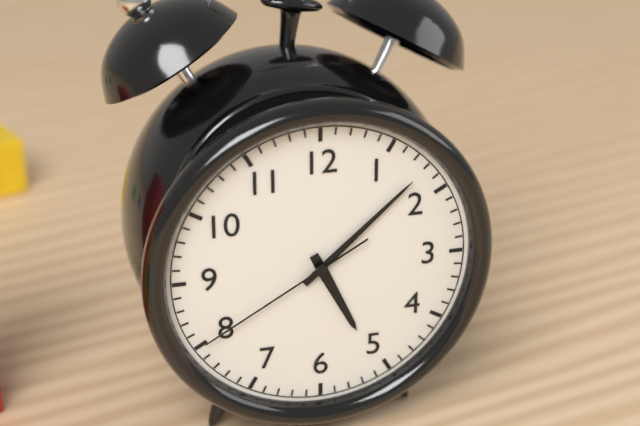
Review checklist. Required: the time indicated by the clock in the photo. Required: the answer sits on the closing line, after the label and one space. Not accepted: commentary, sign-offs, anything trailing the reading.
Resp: 5:08:40
